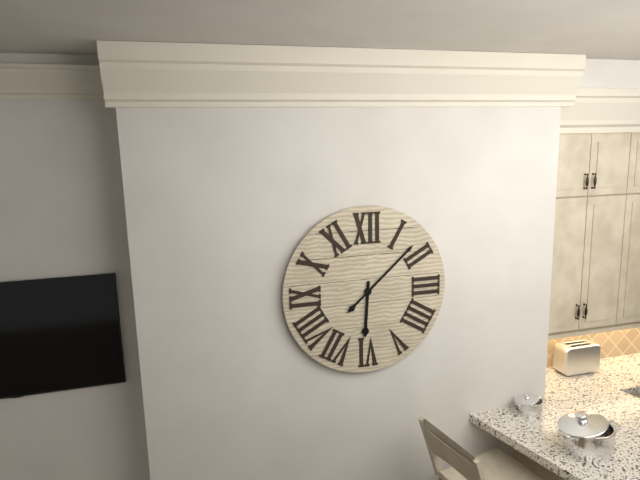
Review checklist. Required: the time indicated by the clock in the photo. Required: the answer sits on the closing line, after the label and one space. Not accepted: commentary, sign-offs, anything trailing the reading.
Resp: 6:08
